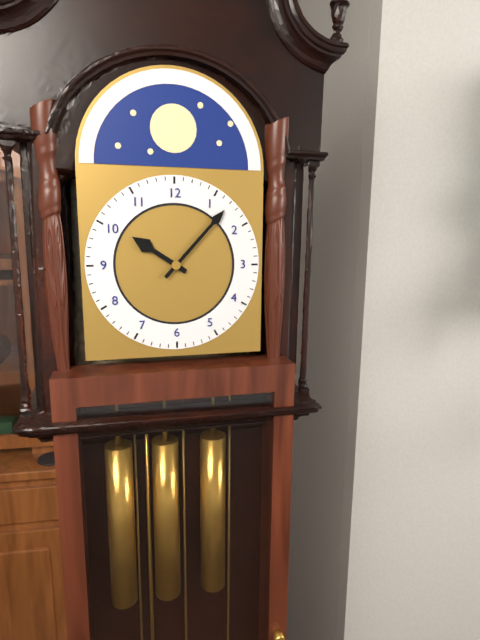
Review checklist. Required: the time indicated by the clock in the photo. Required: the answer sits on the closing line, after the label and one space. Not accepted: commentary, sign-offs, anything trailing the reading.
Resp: 10:07
